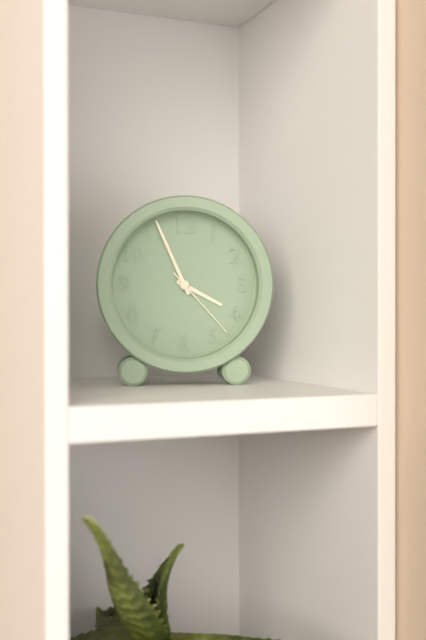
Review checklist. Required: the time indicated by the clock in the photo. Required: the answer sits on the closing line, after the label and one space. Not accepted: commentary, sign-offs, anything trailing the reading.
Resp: 3:56:23
